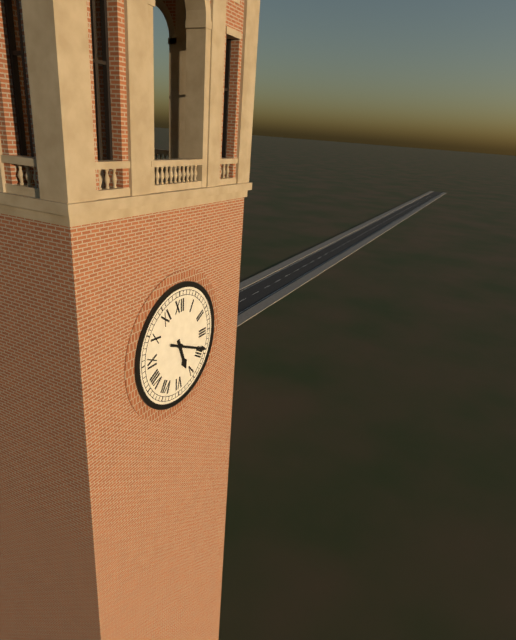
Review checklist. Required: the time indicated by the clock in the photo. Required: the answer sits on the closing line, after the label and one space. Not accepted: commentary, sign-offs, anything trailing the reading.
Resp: 5:19
